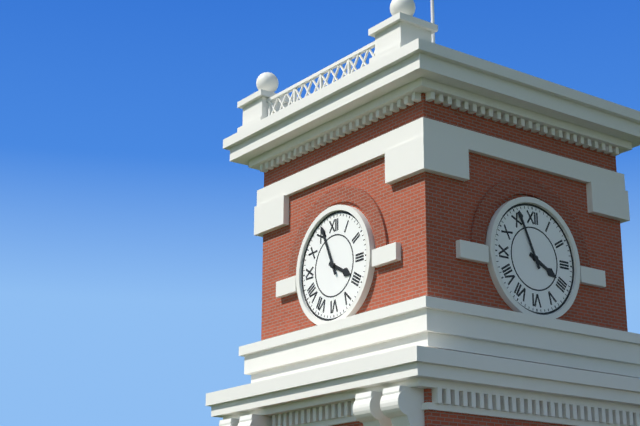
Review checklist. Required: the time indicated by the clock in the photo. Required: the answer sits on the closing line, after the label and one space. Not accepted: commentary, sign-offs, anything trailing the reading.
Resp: 3:56
